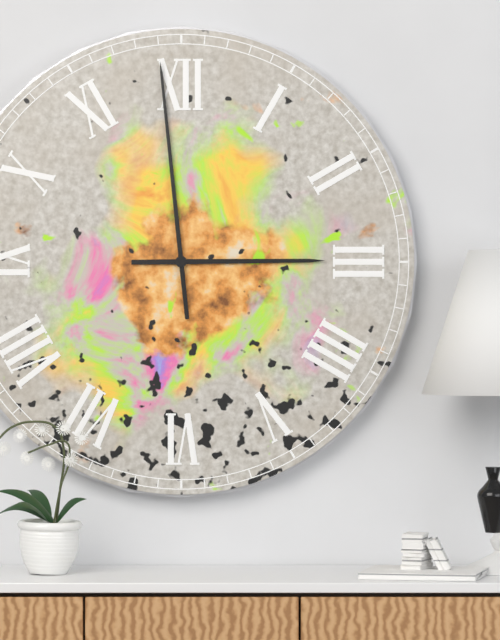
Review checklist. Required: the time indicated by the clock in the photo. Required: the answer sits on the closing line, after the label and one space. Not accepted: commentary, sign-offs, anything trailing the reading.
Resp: 2:59
